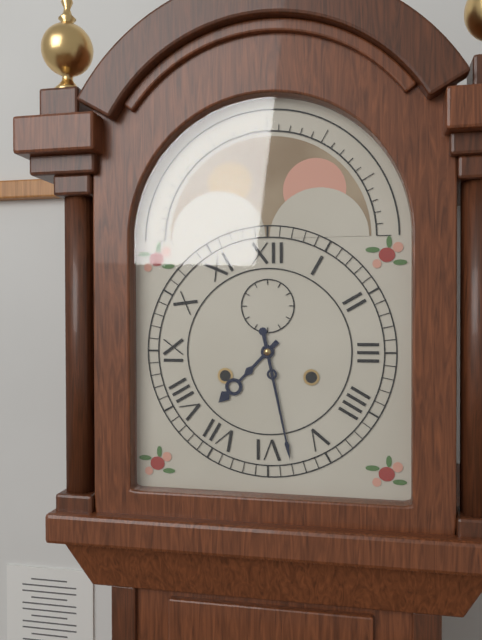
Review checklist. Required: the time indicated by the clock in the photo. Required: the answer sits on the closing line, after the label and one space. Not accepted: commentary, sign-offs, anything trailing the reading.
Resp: 7:28
